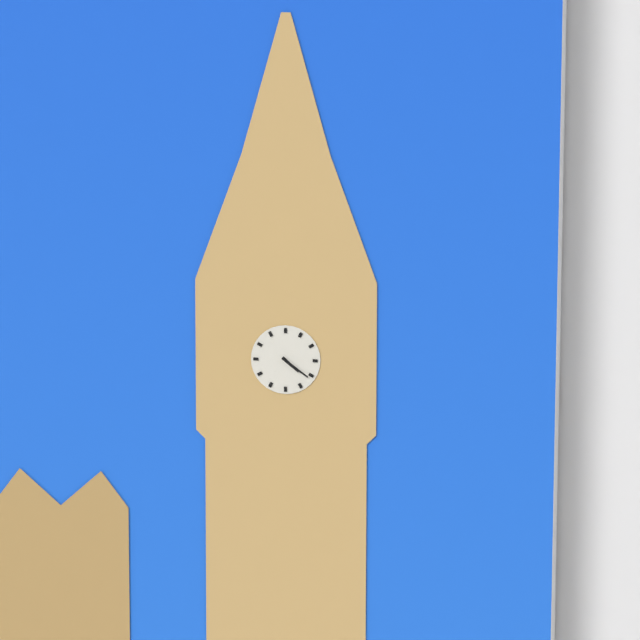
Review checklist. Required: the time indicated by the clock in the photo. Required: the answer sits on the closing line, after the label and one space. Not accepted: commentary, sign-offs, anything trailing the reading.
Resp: 4:21
